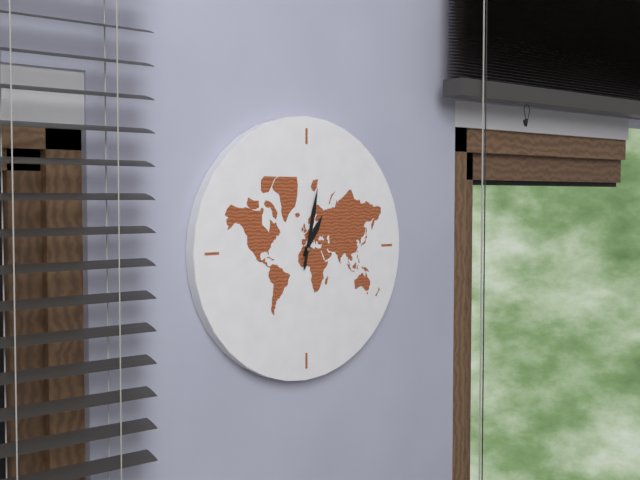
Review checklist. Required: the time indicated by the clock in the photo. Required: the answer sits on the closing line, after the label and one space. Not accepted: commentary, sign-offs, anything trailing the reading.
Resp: 1:02
